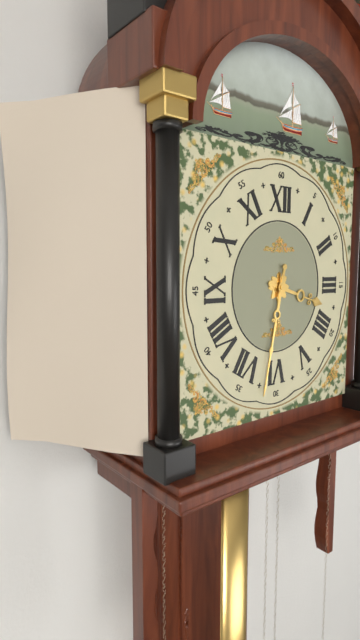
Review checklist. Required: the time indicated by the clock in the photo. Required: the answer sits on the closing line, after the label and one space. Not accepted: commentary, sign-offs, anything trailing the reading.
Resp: 3:32
